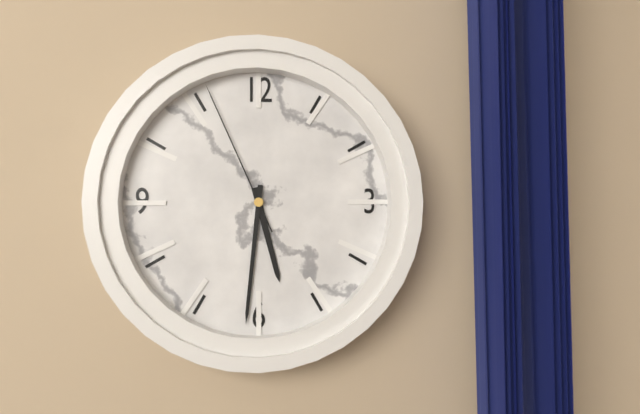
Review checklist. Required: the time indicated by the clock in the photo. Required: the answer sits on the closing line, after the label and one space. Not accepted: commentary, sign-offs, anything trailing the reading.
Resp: 5:31:56
